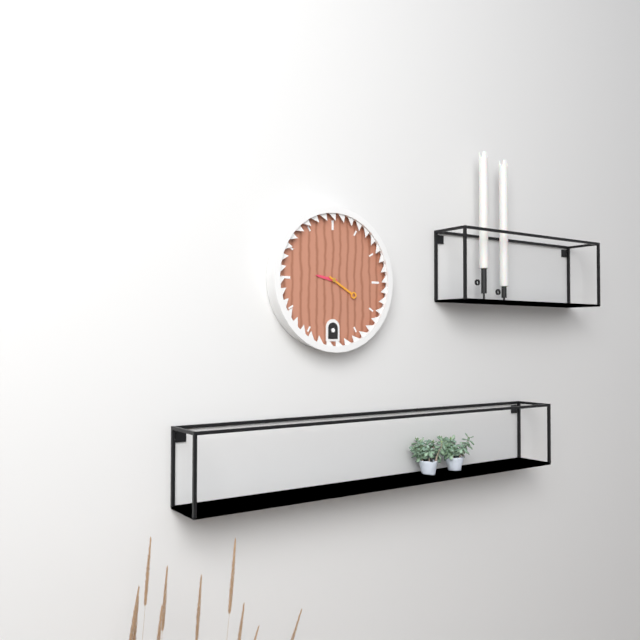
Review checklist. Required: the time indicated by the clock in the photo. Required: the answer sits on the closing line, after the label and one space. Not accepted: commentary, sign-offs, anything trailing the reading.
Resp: 9:20
